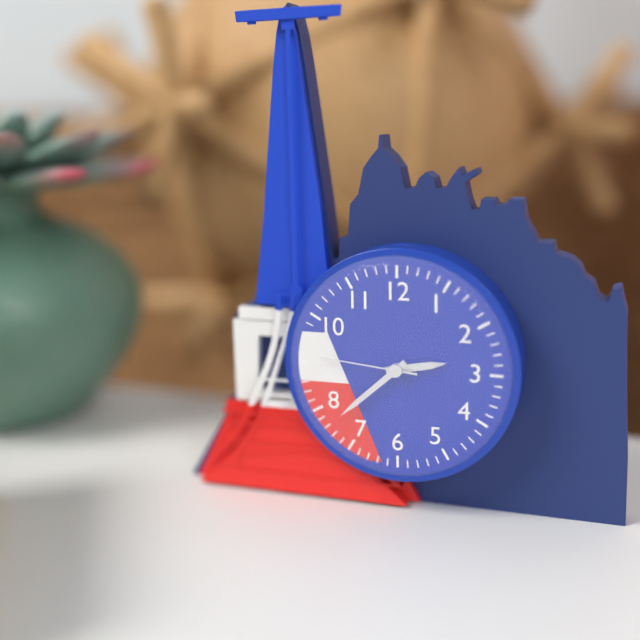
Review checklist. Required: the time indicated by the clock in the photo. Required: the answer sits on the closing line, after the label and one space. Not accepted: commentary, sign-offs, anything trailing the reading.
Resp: 2:38:46
